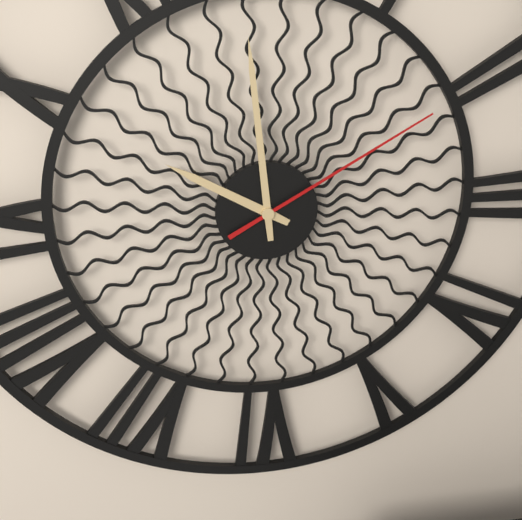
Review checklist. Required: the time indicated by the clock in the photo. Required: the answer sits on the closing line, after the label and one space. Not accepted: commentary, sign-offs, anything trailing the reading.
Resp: 9:59:10
